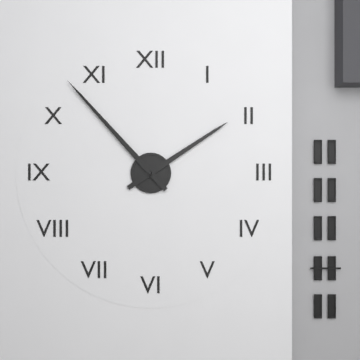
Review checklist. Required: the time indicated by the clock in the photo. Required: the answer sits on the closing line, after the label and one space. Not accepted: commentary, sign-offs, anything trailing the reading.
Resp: 1:53
